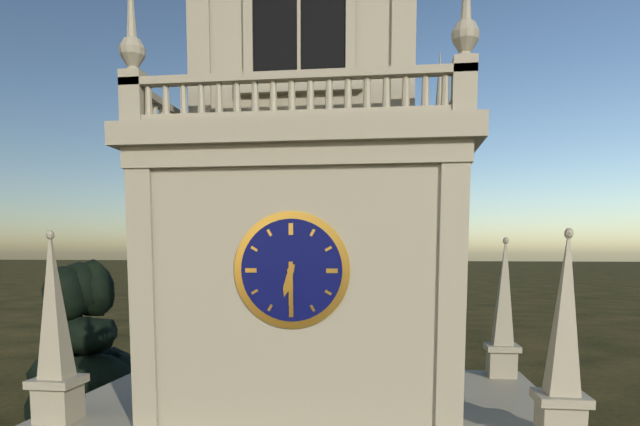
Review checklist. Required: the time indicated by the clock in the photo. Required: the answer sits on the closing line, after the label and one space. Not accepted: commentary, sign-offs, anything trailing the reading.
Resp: 6:30
